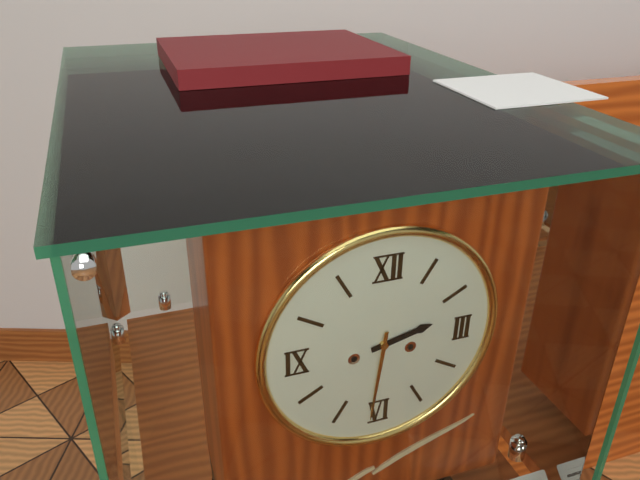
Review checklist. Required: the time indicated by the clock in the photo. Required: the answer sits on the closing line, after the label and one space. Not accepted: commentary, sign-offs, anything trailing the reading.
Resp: 2:31
